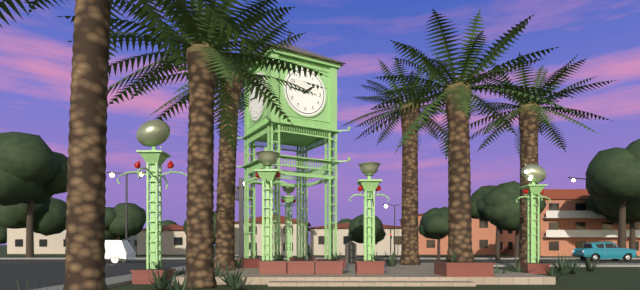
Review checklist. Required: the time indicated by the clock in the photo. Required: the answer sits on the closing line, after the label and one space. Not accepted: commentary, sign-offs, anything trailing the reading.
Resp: 1:46
